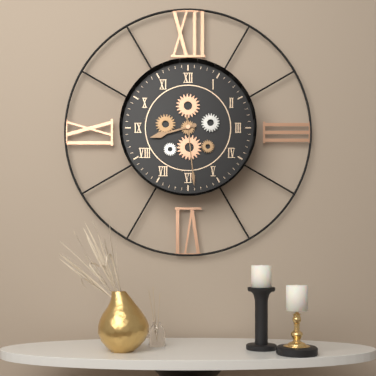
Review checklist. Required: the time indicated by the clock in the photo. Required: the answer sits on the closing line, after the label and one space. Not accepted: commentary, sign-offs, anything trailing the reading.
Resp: 8:29
